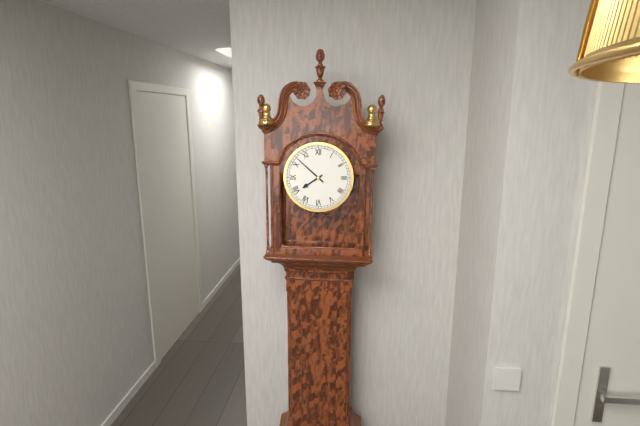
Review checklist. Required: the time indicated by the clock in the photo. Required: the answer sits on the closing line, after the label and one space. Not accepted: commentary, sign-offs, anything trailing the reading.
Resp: 7:52
